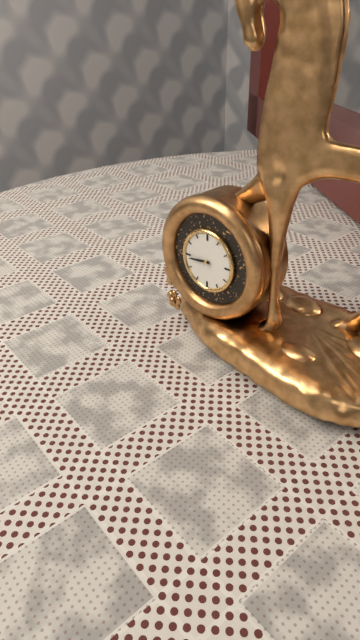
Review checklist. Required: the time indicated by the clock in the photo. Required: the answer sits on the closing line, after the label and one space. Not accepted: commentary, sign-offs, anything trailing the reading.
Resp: 8:44
